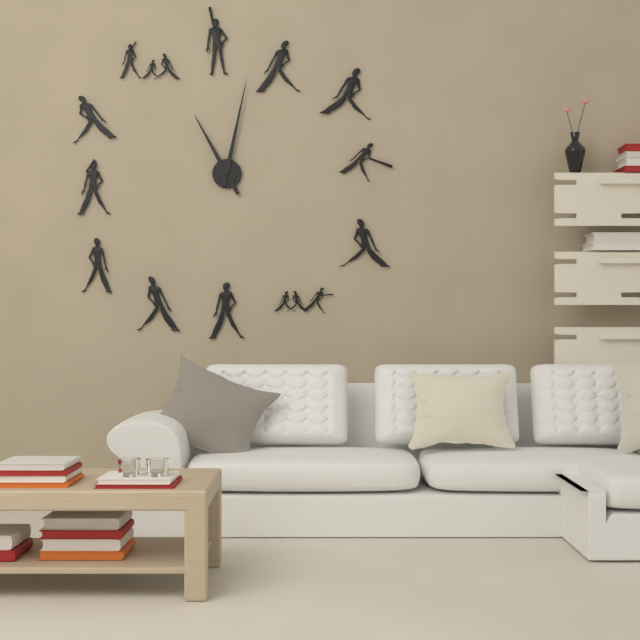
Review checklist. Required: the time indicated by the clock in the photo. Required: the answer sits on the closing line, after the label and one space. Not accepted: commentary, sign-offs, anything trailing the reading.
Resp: 11:02
